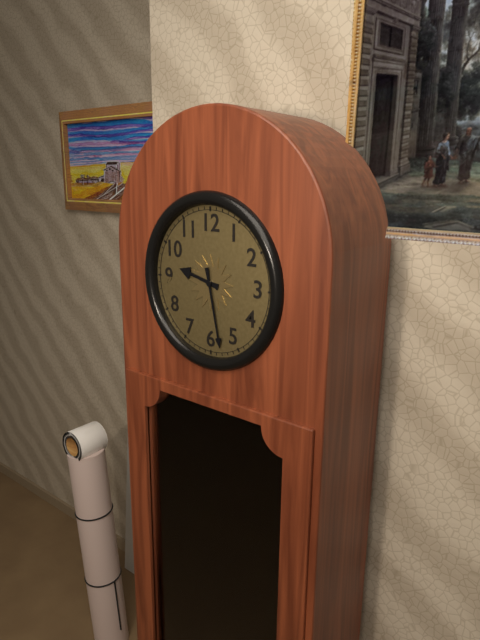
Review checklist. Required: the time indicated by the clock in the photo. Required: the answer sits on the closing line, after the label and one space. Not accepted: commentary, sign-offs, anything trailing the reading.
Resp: 9:28
